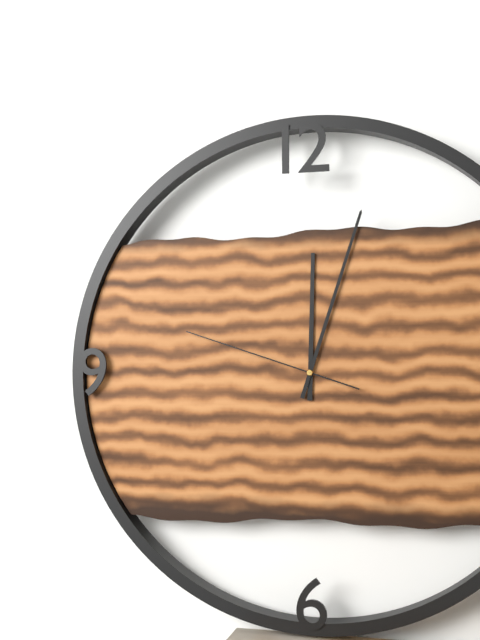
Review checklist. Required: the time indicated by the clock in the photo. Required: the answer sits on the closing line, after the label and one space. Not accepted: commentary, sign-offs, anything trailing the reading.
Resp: 12:03:48
